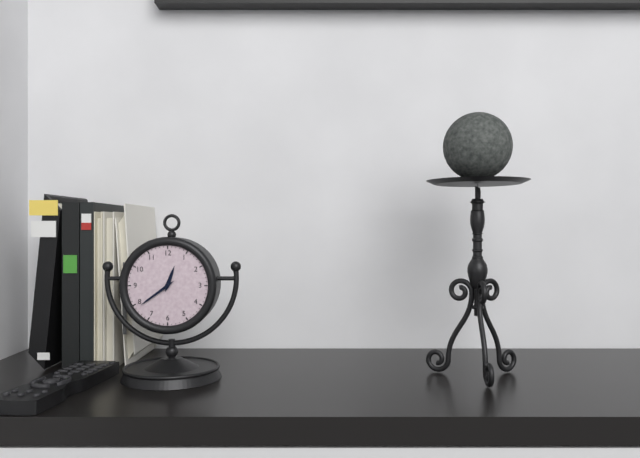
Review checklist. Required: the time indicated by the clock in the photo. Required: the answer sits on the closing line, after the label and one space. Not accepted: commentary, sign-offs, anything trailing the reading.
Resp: 12:39
